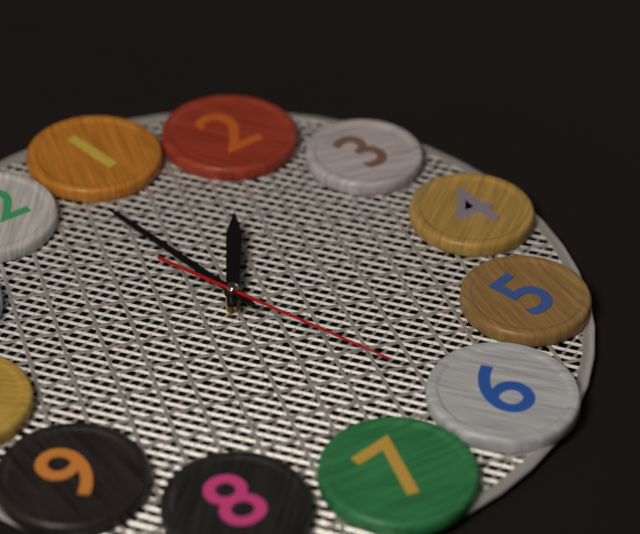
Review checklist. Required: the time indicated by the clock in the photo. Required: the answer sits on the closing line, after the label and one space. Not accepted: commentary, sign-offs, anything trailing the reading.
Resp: 2:03:31
